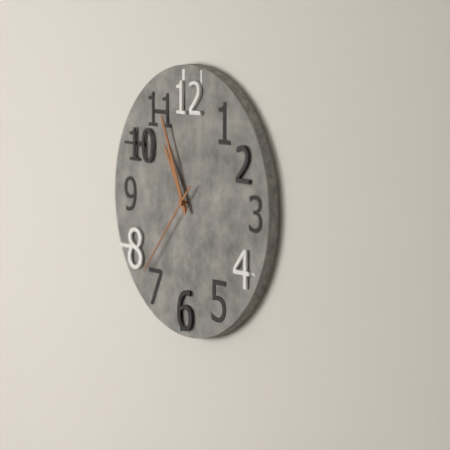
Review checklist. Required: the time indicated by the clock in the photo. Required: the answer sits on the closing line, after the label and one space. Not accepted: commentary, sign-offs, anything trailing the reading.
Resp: 10:56:37
